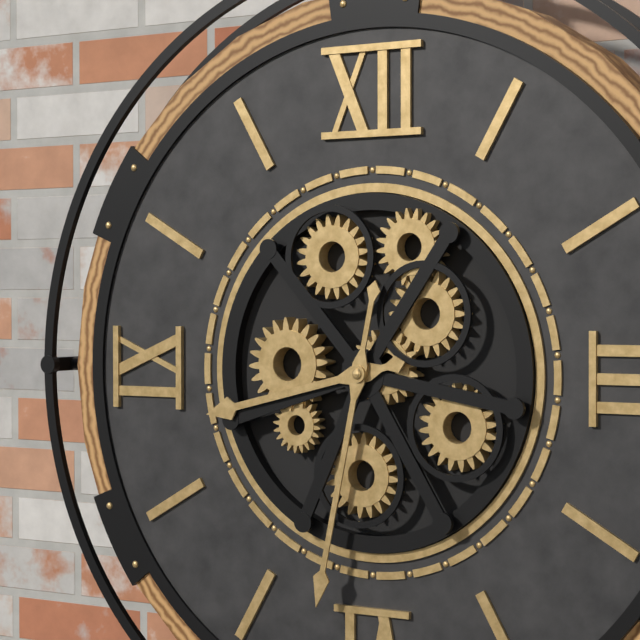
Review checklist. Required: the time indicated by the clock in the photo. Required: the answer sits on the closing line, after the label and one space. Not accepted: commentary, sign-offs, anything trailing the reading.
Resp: 8:32
